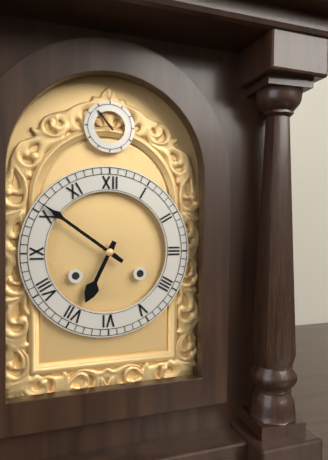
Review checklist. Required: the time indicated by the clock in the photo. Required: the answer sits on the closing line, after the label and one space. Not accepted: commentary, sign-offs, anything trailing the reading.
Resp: 6:51
